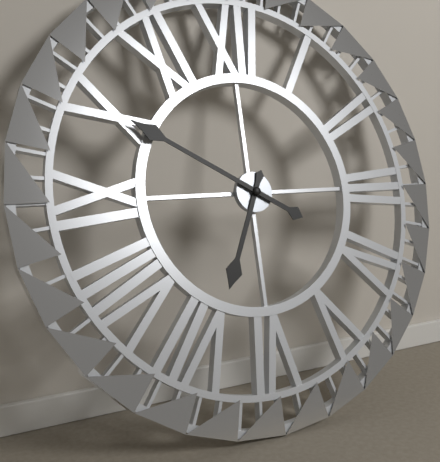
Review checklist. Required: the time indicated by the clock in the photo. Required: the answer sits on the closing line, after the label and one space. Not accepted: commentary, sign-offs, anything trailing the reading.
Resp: 6:50
